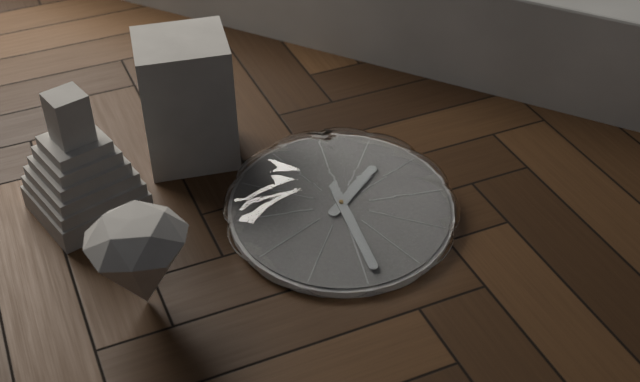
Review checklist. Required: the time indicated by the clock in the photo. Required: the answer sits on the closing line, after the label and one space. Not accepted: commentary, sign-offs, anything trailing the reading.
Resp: 1:29
